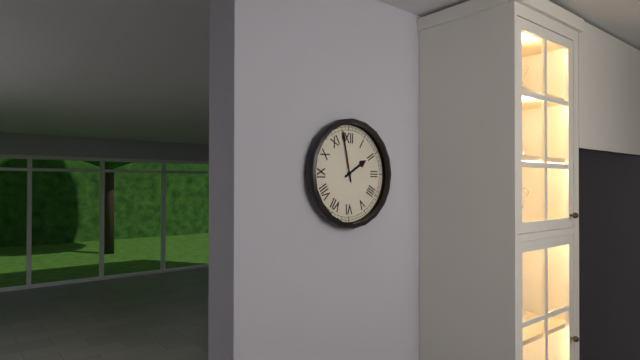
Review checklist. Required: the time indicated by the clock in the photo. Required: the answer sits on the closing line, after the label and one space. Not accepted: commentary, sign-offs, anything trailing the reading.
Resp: 1:58
